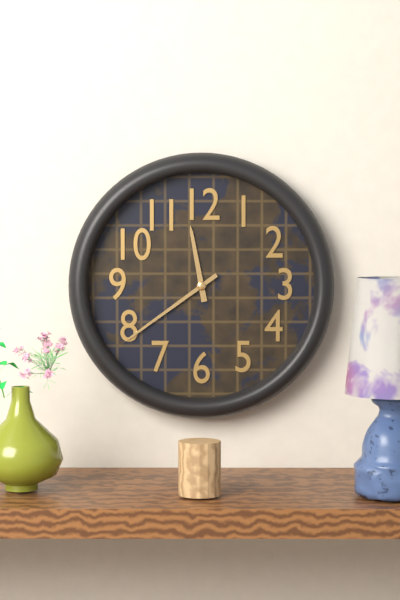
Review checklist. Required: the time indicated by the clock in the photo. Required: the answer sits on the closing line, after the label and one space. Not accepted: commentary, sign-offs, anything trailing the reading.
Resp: 11:39
